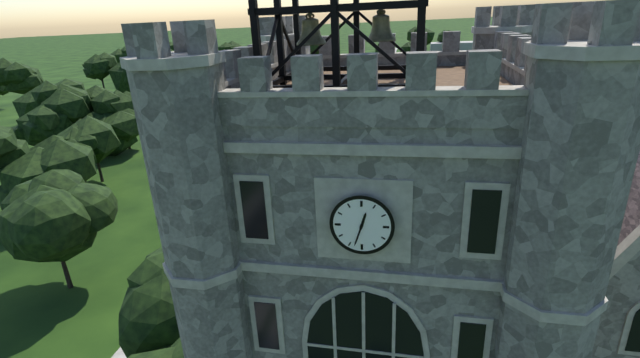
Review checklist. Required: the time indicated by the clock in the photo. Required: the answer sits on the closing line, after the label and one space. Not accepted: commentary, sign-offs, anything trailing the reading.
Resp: 12:33
